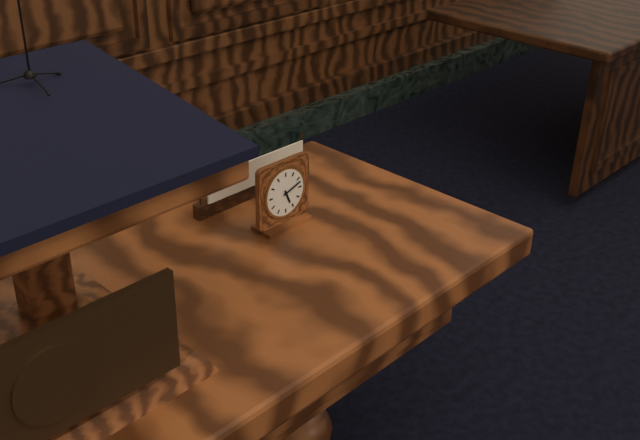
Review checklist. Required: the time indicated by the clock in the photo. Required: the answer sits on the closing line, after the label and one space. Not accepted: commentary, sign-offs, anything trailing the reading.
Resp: 5:12
